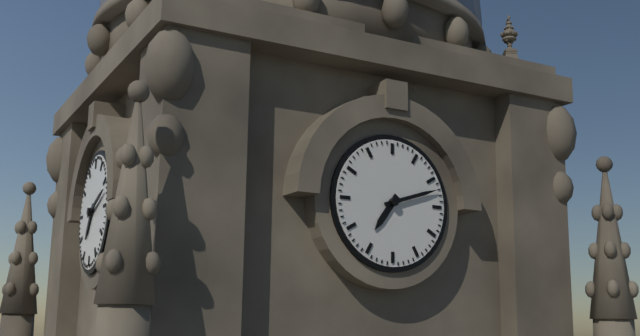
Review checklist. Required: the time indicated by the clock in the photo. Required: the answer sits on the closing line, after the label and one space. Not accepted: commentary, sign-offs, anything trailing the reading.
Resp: 7:12
